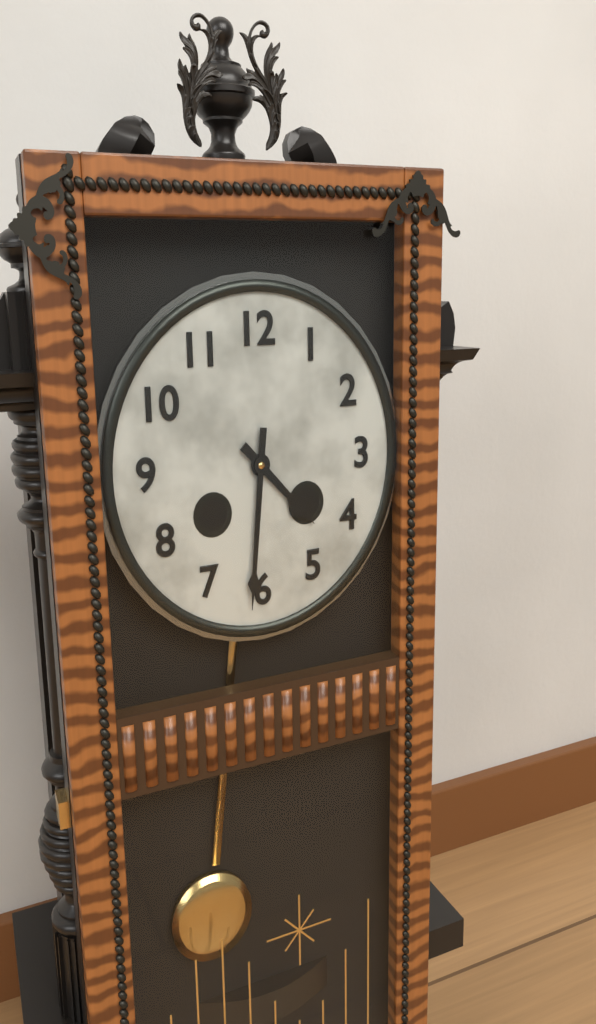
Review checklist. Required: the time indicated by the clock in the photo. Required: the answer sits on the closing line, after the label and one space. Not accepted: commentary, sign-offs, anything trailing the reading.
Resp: 4:31
